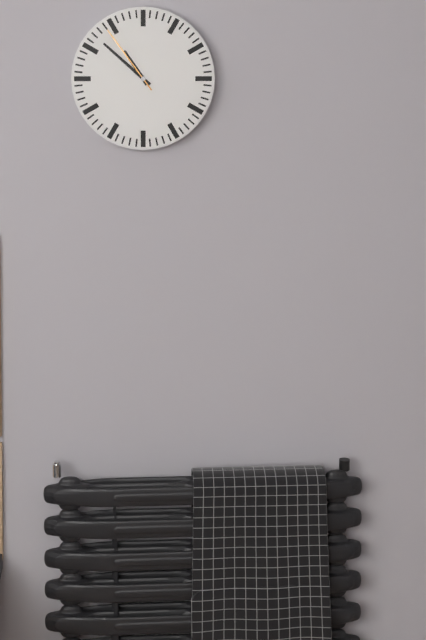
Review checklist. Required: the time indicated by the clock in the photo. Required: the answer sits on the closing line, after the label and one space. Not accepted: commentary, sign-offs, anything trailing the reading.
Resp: 10:52:54
